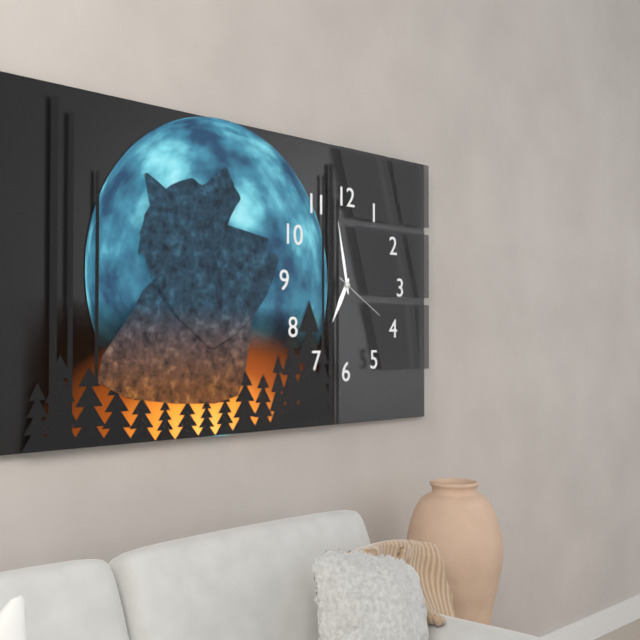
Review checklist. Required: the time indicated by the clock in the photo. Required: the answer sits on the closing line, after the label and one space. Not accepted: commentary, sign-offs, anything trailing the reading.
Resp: 6:58:20
